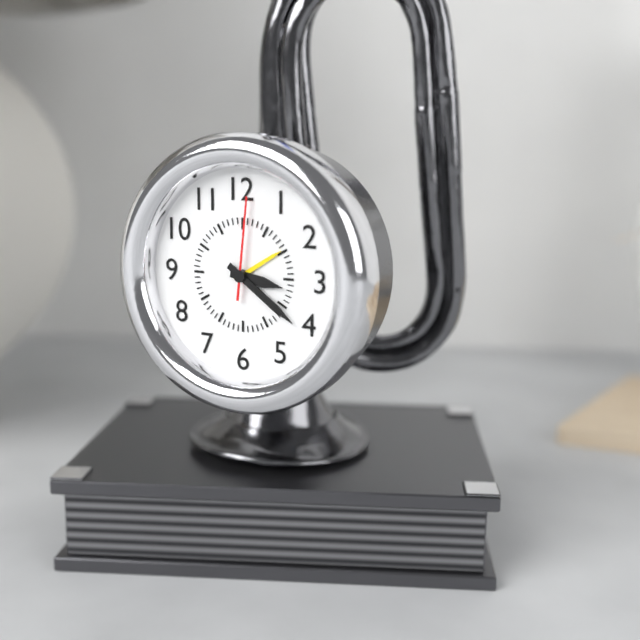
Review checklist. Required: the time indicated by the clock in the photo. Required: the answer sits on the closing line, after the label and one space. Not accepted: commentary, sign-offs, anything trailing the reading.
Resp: 3:21:01
